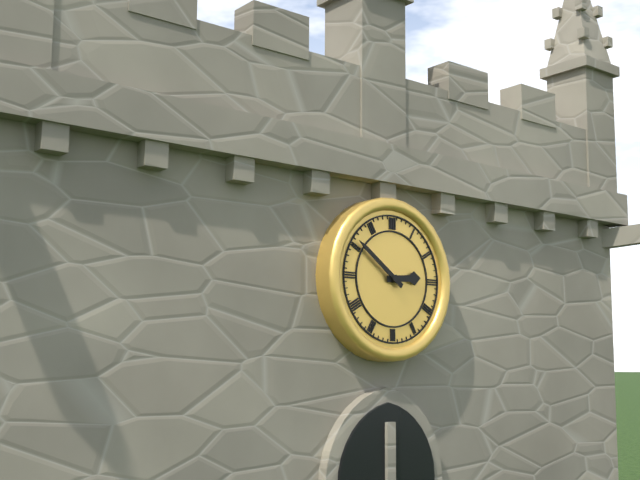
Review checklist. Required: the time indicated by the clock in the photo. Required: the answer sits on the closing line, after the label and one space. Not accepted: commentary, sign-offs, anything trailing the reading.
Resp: 2:51
